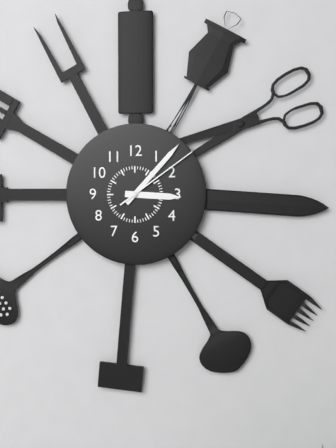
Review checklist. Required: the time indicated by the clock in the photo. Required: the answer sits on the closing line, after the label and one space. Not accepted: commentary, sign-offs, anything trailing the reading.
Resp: 3:07:09
